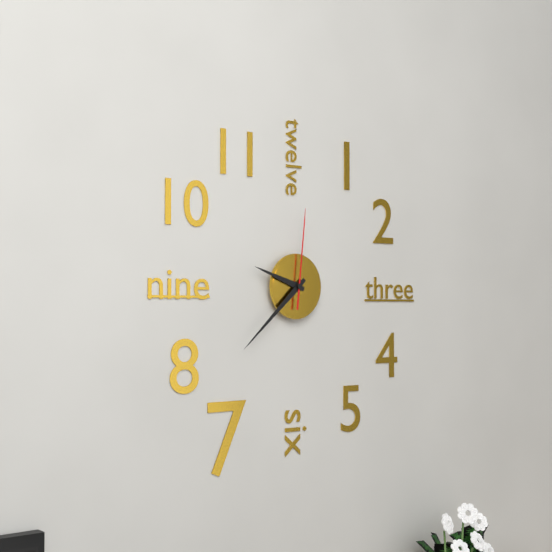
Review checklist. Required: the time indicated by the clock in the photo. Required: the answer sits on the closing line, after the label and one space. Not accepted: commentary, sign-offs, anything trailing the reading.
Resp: 9:38:01
